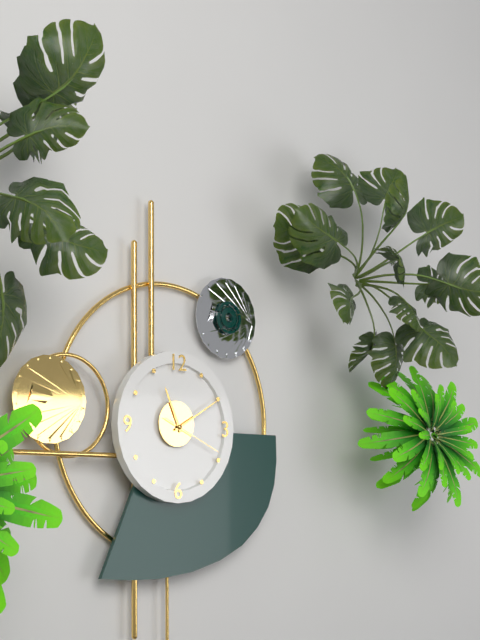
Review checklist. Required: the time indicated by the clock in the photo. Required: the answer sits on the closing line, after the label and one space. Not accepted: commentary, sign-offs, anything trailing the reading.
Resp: 11:10:19
